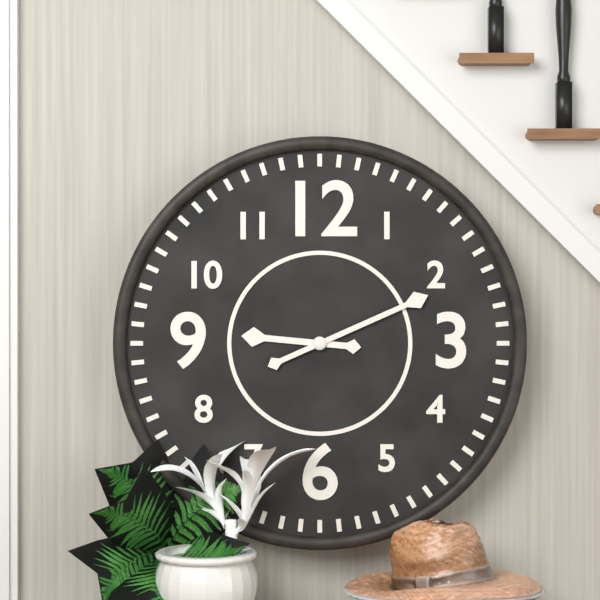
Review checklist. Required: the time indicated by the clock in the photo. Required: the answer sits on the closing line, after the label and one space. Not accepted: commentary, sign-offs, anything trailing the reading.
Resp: 9:11
